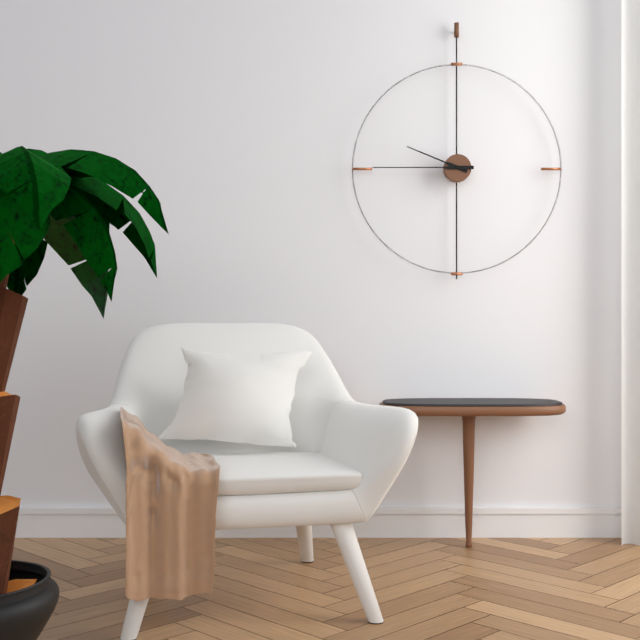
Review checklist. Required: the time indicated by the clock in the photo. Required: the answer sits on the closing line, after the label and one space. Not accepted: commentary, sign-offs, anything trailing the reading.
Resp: 9:45
